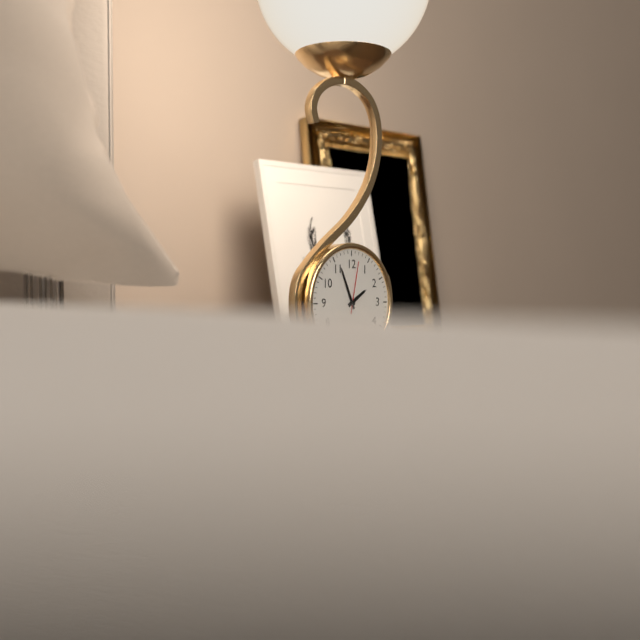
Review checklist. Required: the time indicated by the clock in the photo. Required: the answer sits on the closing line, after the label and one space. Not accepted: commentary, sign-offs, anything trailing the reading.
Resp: 1:56:02
